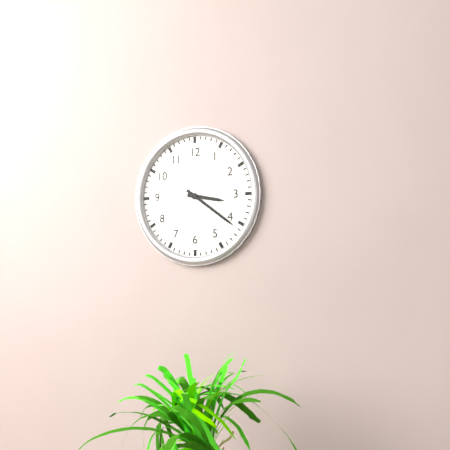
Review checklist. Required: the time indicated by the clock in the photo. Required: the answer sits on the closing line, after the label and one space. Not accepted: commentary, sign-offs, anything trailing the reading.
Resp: 3:21
